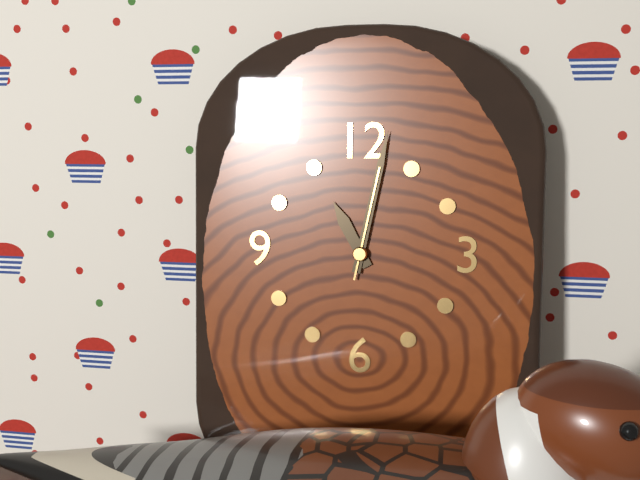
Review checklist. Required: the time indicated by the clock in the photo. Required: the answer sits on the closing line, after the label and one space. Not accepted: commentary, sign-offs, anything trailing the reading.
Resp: 11:02:02
